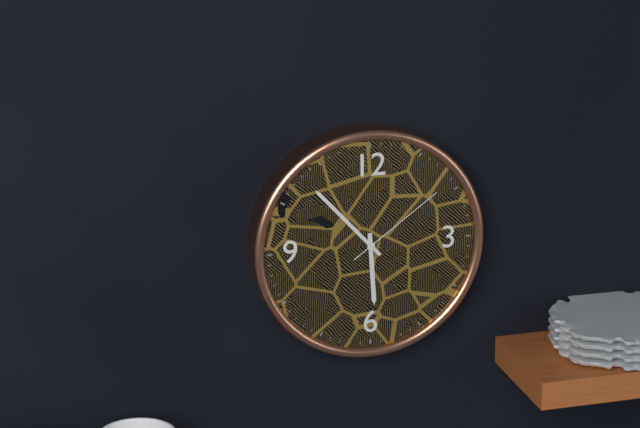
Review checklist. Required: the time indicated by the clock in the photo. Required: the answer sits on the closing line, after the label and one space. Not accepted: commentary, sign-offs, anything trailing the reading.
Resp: 5:53:09
